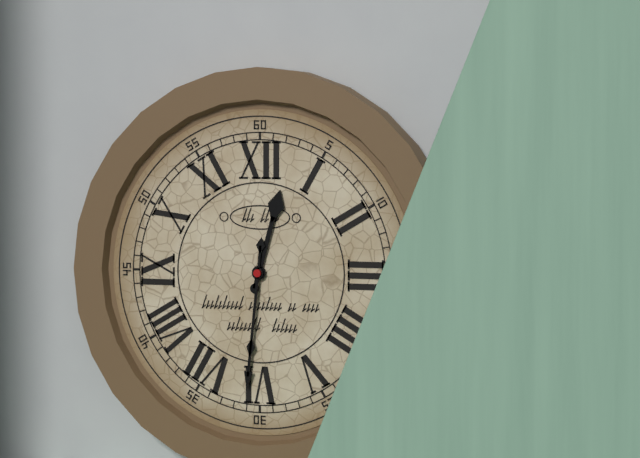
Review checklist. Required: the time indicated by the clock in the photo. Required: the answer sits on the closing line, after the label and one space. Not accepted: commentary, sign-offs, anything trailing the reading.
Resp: 12:31
